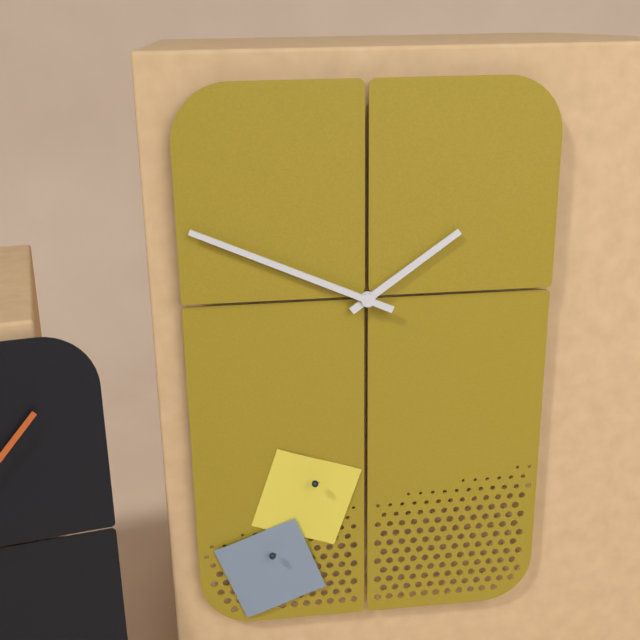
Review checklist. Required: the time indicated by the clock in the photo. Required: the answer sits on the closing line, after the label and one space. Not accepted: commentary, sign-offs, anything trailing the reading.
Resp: 1:49
